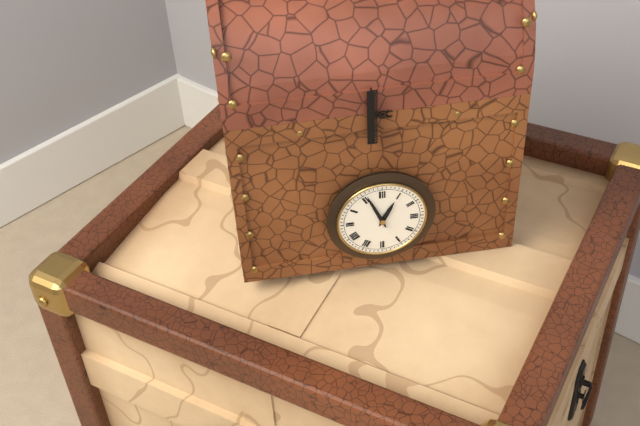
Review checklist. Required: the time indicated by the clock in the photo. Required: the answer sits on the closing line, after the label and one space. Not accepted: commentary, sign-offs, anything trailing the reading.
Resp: 12:56
